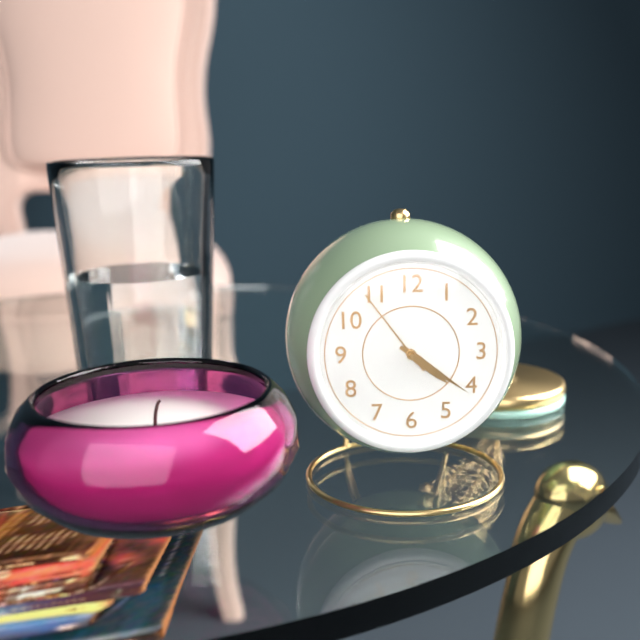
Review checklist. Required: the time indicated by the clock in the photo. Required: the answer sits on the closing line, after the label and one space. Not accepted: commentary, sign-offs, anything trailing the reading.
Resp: 4:21:54
